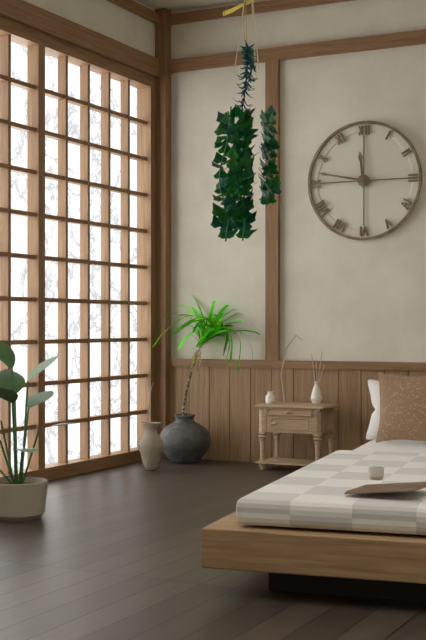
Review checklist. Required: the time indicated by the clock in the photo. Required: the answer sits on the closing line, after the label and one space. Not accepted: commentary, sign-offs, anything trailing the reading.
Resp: 11:47
